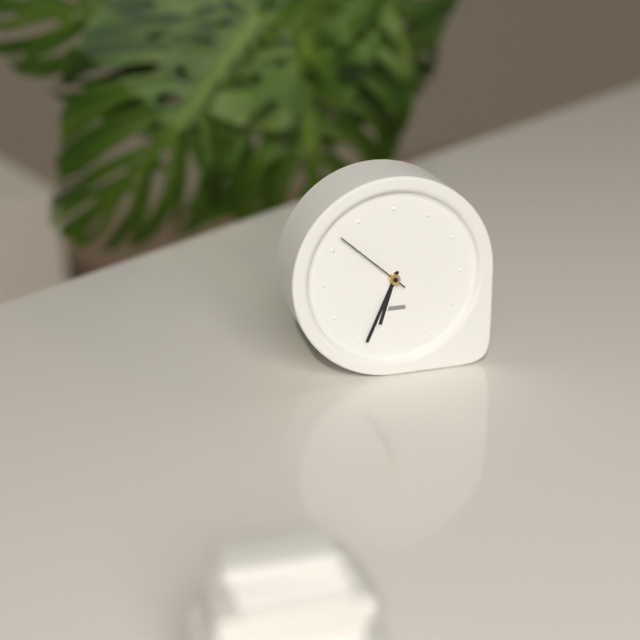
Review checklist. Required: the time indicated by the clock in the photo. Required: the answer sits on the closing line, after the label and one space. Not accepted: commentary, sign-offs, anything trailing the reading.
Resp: 6:34:52
